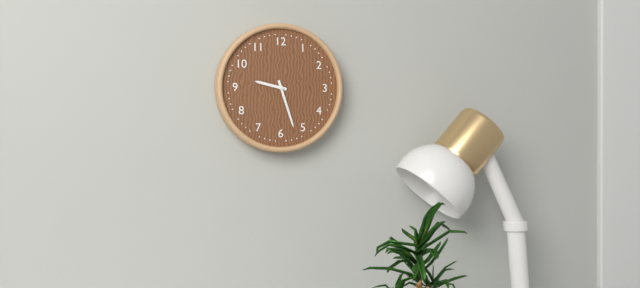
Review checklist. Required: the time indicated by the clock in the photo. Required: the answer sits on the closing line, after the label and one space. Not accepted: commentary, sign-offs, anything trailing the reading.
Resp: 9:27
